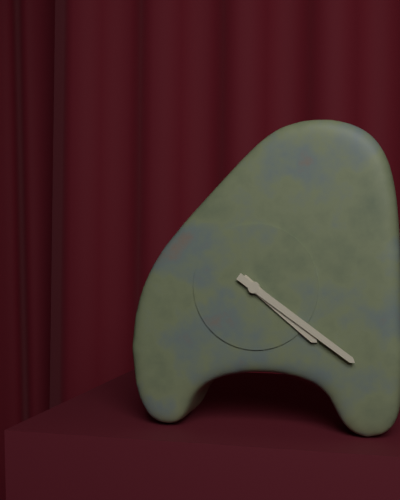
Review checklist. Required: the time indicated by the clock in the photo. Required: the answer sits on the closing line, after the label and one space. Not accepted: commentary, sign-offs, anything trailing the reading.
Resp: 4:21
